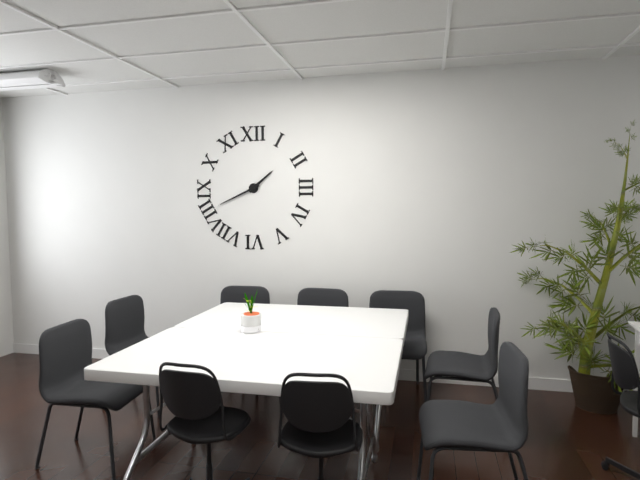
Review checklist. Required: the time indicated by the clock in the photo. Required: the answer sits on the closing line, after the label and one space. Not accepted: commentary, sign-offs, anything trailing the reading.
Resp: 1:41
